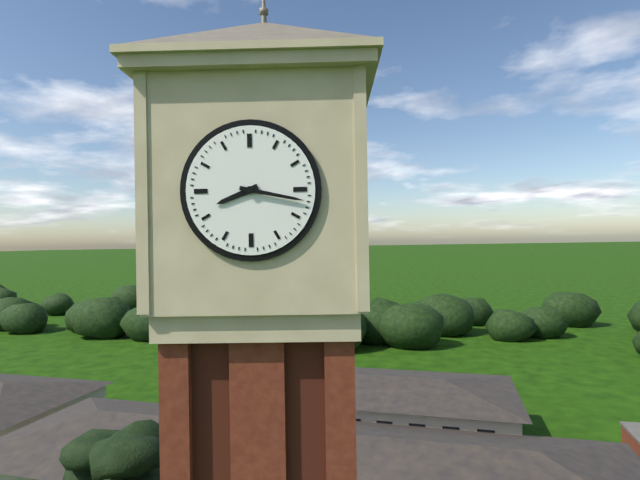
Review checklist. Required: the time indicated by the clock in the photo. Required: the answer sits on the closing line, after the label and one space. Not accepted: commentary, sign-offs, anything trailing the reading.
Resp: 8:17
